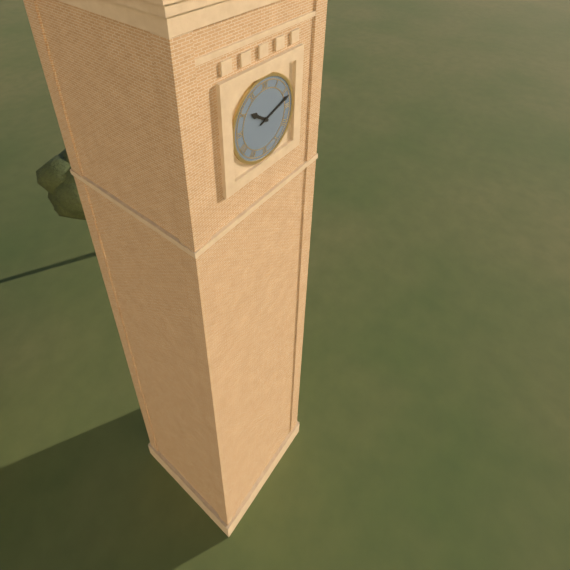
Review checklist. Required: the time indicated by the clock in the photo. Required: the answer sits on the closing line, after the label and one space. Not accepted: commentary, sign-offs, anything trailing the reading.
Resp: 10:12
